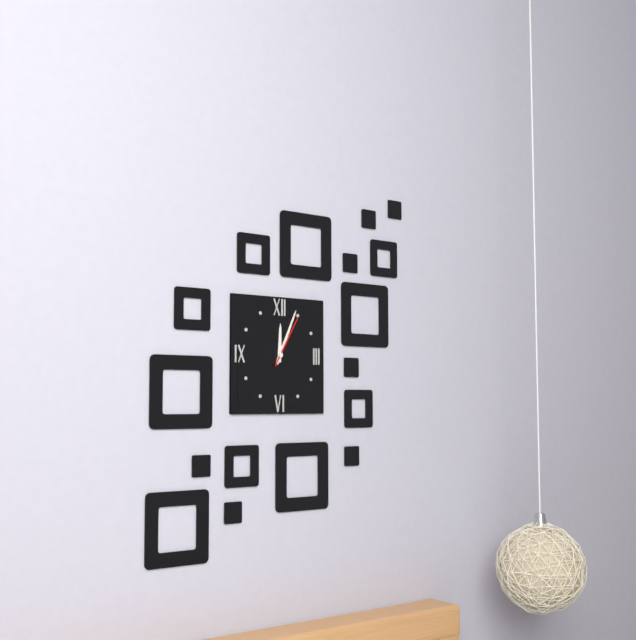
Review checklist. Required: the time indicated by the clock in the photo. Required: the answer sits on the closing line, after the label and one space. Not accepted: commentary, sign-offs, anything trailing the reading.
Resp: 12:04:05
